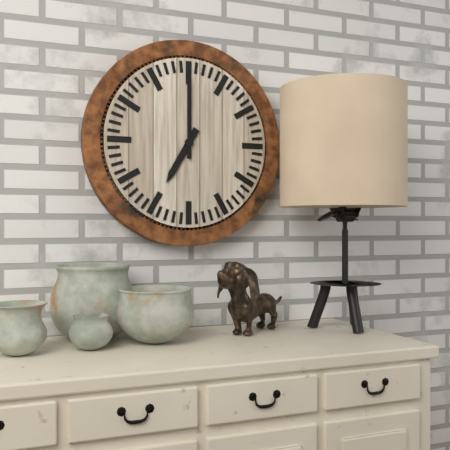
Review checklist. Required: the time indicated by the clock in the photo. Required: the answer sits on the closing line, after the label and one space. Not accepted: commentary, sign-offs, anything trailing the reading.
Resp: 7:00
